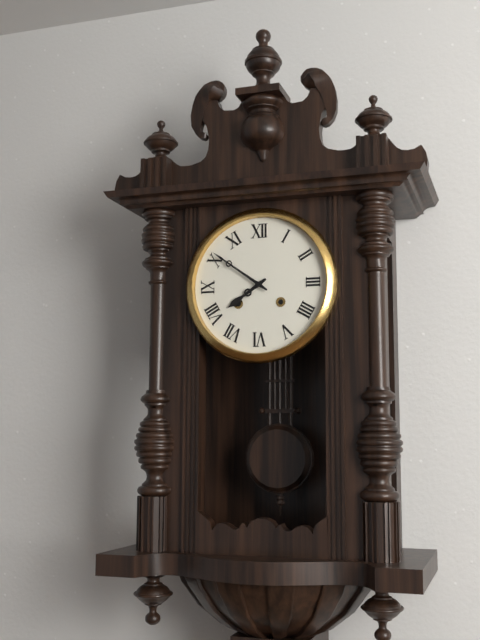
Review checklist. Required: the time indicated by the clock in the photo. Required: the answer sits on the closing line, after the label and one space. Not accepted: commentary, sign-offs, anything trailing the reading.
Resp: 7:51
